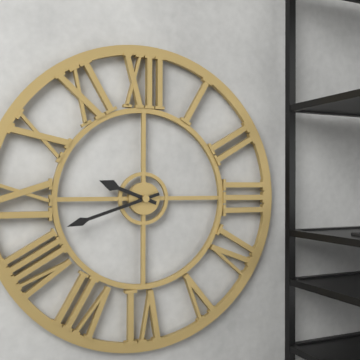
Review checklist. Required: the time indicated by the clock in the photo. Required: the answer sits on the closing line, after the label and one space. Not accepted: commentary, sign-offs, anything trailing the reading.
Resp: 9:42
